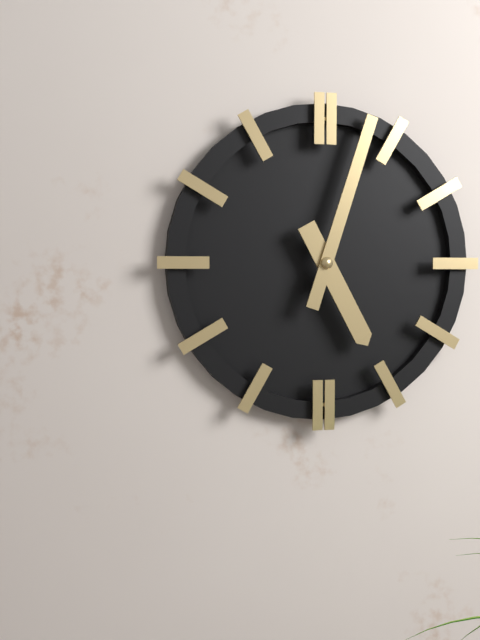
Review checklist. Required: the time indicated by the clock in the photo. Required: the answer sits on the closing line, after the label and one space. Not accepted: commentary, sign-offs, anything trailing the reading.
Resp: 5:03
